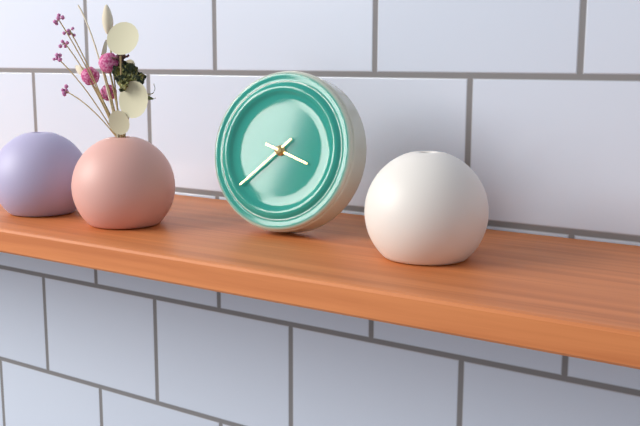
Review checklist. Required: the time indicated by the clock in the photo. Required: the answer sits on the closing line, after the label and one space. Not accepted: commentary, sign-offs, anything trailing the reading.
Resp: 3:38
